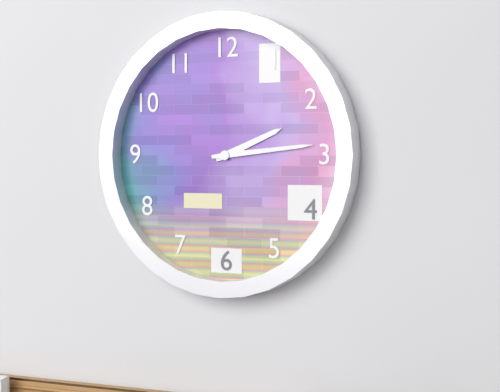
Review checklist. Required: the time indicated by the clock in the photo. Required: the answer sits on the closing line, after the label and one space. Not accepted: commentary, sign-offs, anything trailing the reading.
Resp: 2:14
